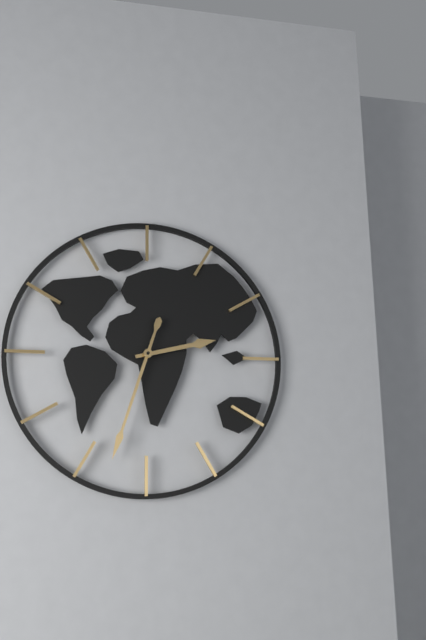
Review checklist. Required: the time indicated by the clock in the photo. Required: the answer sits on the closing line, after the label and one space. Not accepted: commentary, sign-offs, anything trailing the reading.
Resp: 2:33
